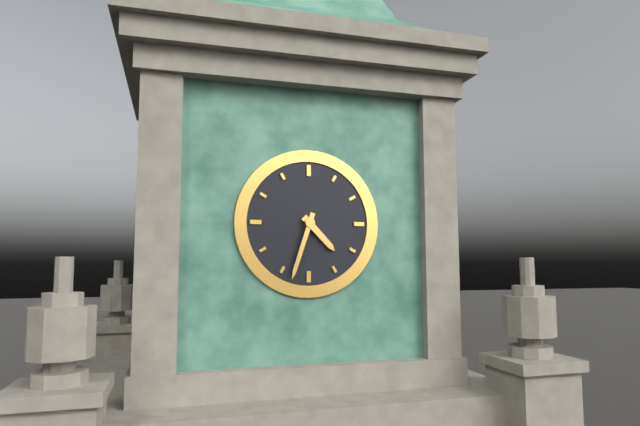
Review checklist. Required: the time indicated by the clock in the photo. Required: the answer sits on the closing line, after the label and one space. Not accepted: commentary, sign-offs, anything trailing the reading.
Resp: 4:33
